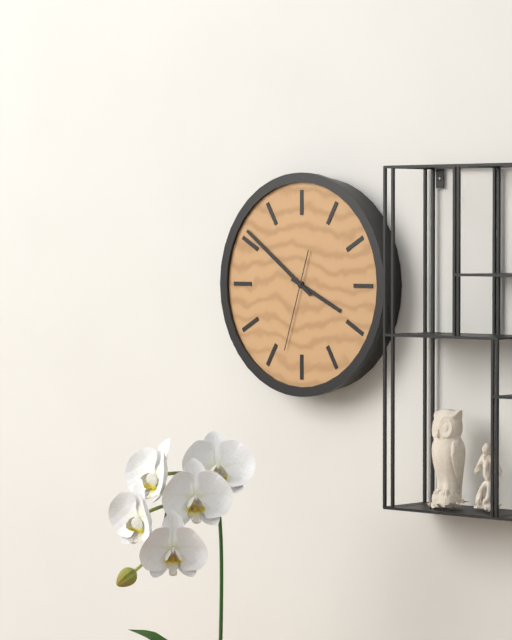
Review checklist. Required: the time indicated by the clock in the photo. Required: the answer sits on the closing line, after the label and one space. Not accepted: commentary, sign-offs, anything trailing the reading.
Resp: 3:51:33
